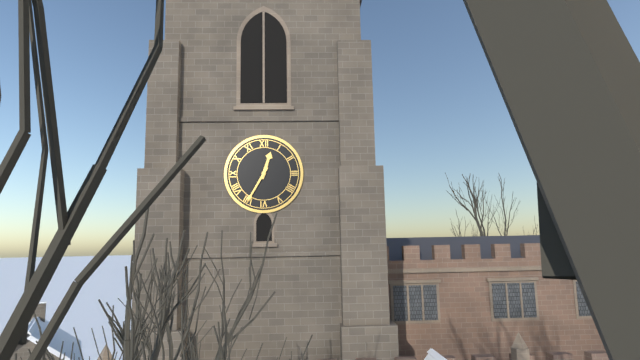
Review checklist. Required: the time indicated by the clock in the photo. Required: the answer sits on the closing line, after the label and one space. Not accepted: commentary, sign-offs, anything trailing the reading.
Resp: 12:35
